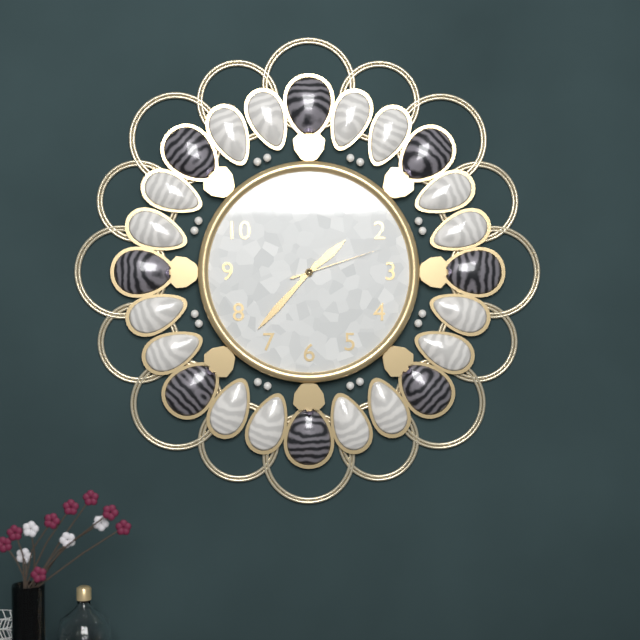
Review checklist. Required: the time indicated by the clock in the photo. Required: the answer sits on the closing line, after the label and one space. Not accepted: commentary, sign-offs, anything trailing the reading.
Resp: 1:37:12
